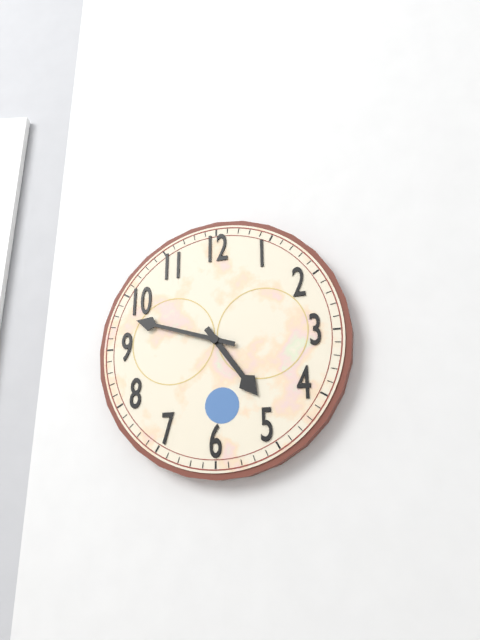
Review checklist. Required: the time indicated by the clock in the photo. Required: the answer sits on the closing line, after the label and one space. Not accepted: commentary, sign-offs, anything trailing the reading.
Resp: 4:48
